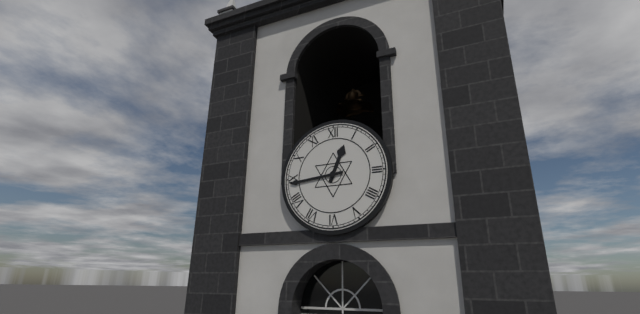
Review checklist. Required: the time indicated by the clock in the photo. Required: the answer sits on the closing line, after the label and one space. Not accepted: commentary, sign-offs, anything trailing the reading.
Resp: 12:44
